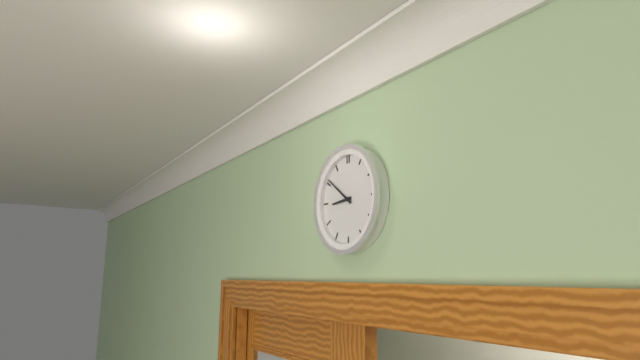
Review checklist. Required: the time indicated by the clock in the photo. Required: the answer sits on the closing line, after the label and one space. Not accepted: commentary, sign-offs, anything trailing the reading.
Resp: 8:51
